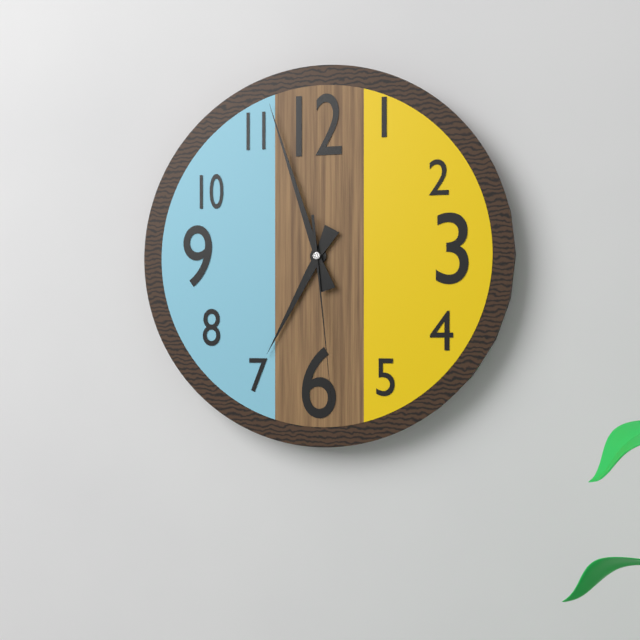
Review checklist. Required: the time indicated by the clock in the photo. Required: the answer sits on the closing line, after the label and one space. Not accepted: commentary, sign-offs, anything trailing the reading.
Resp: 6:57:29
